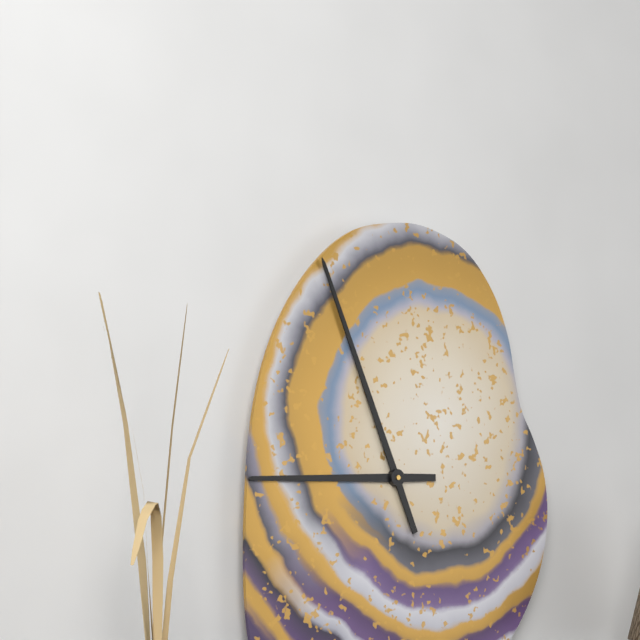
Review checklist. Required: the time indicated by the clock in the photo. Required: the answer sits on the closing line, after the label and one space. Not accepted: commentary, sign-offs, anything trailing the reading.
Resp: 8:56
